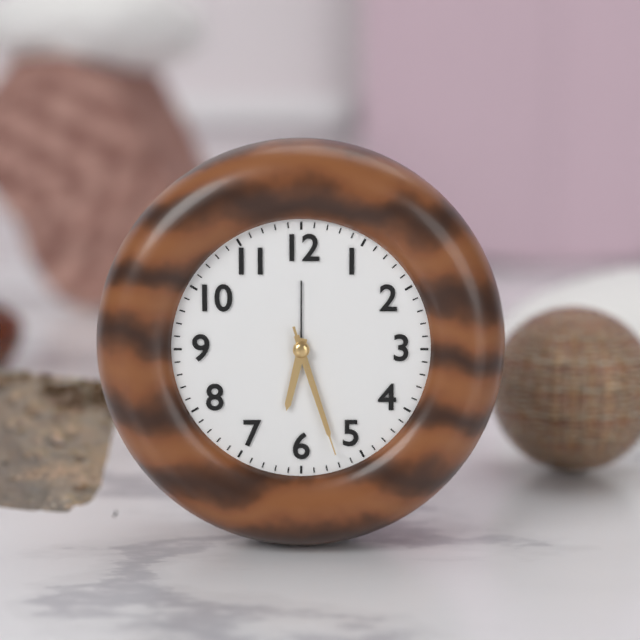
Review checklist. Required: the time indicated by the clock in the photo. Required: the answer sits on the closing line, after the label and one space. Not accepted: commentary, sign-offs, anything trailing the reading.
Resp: 6:27:27
